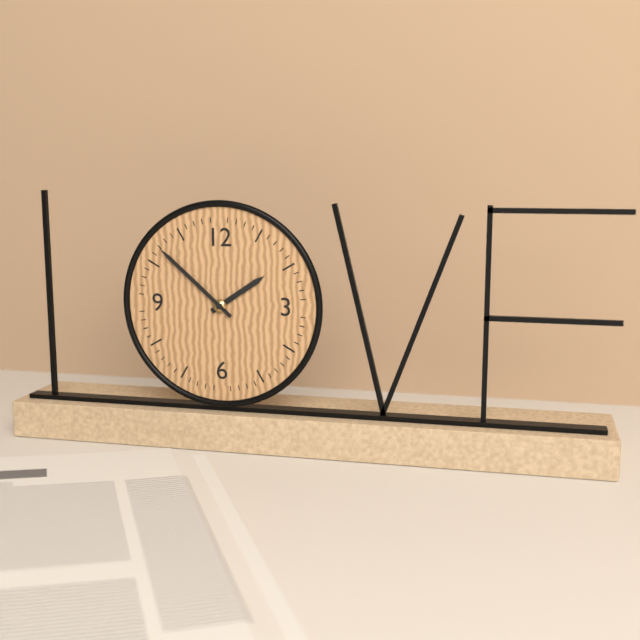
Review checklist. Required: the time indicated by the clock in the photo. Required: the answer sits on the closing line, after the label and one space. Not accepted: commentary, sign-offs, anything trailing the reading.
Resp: 1:52
